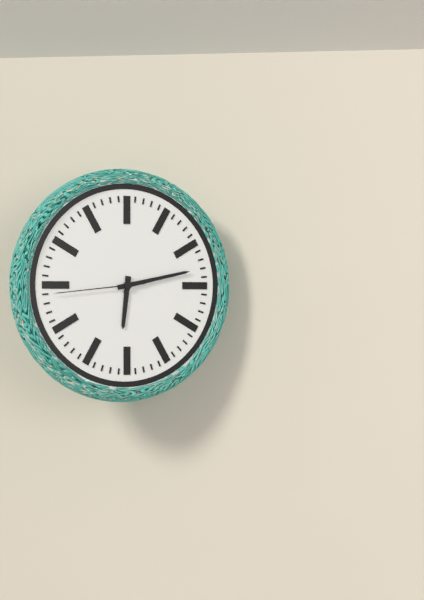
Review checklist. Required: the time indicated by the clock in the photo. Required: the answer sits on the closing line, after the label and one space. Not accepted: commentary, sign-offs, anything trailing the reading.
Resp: 6:13:44
